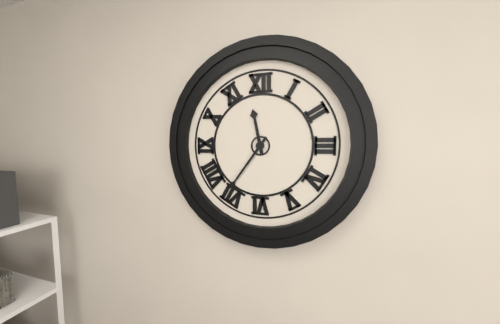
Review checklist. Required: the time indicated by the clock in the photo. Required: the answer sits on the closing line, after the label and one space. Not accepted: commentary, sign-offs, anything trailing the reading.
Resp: 11:36
